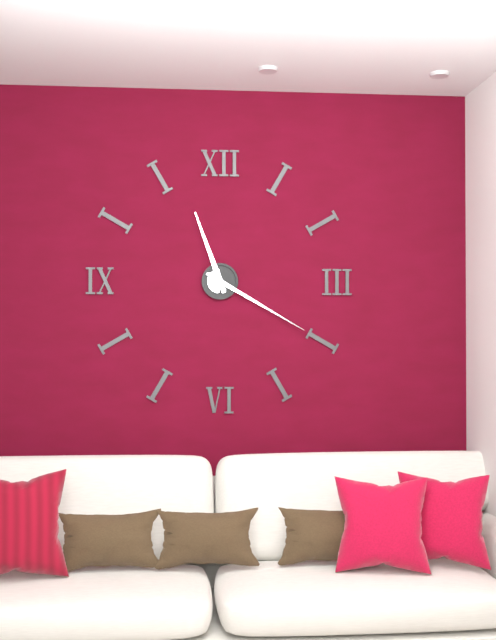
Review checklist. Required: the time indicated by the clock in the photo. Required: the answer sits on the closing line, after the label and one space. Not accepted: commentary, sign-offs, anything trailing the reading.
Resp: 11:20
